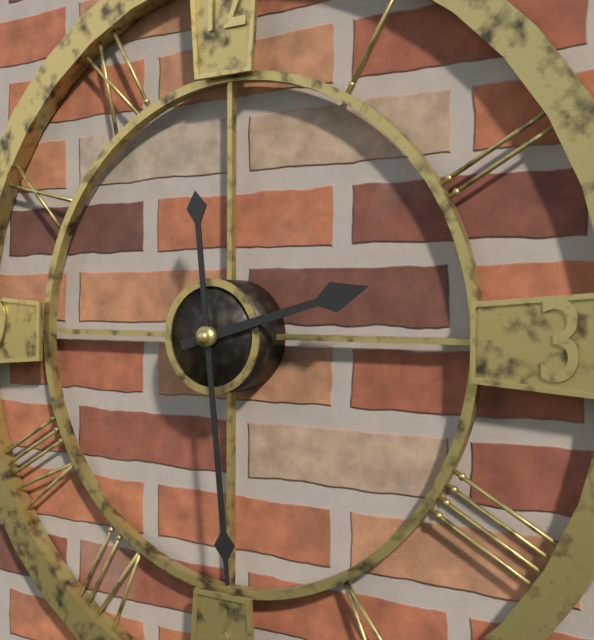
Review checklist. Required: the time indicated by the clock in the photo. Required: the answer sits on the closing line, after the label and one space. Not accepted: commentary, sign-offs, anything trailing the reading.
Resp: 2:29
